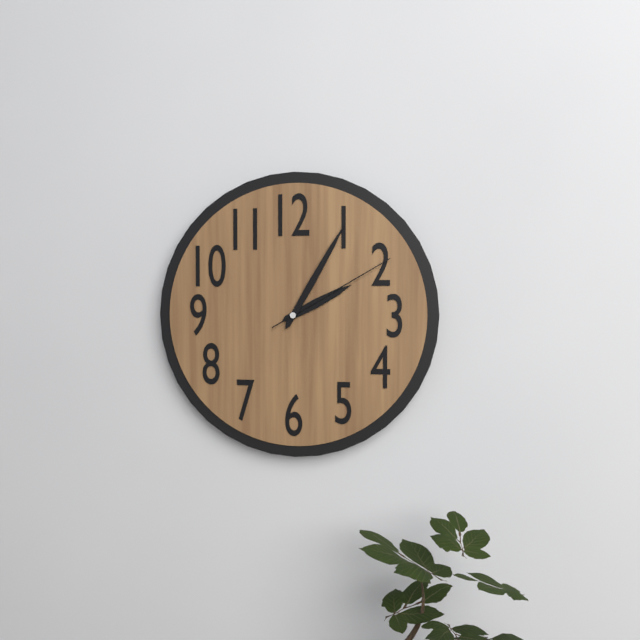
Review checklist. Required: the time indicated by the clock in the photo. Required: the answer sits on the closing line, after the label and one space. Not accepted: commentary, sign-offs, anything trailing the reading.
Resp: 2:05:10
